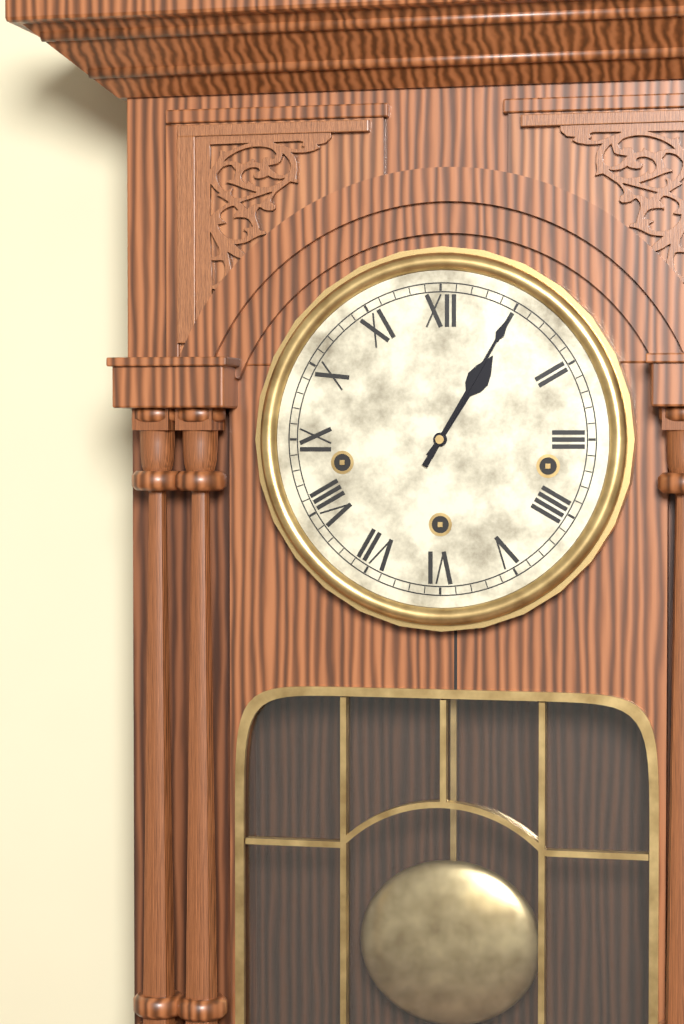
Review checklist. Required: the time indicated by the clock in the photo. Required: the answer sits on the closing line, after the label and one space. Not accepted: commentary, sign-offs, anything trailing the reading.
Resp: 1:05
